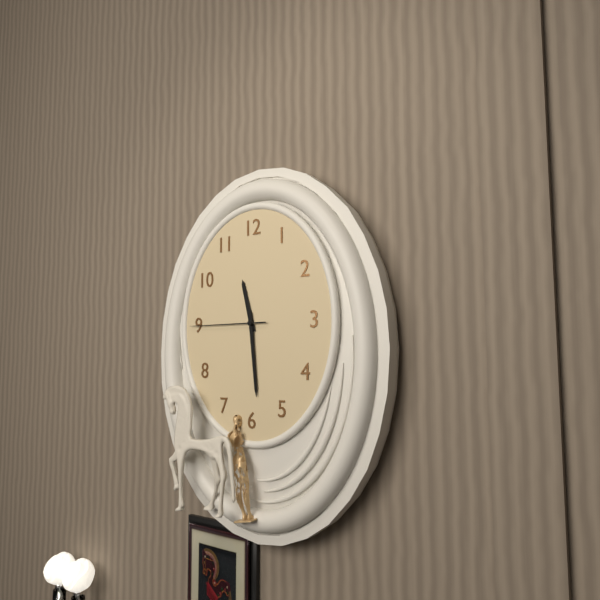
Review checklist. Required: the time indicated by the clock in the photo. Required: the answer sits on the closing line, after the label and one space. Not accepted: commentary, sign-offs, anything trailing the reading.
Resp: 11:29:45
